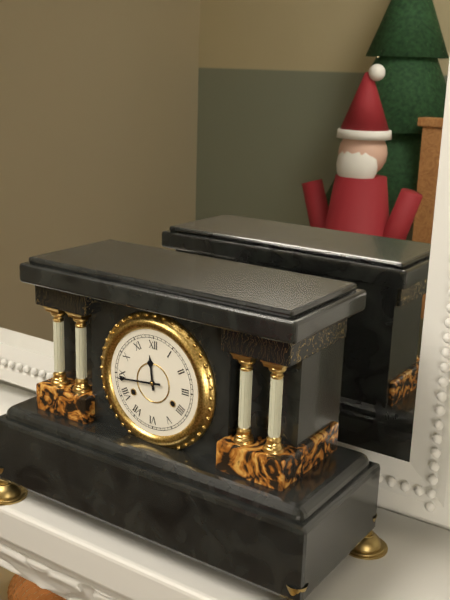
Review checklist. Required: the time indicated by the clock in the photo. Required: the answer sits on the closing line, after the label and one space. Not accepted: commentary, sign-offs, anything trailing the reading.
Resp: 11:44
